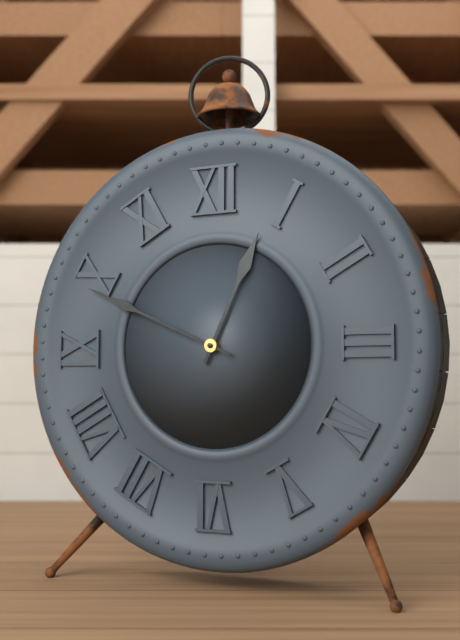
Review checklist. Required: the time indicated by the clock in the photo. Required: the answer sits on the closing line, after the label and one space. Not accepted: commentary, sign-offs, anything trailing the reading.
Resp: 12:49
